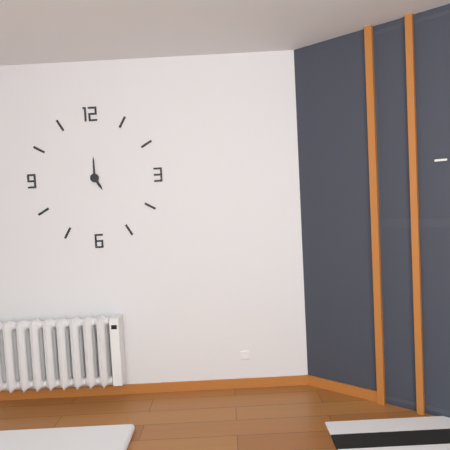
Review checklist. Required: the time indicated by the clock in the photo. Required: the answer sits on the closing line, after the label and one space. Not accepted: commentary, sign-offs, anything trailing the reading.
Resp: 5:00
